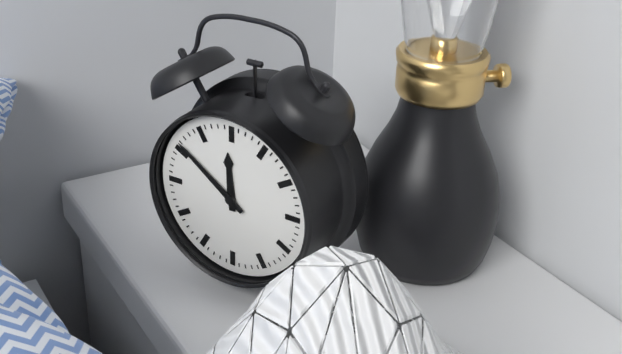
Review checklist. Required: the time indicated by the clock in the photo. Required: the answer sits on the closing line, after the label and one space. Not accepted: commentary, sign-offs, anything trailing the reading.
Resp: 11:51
